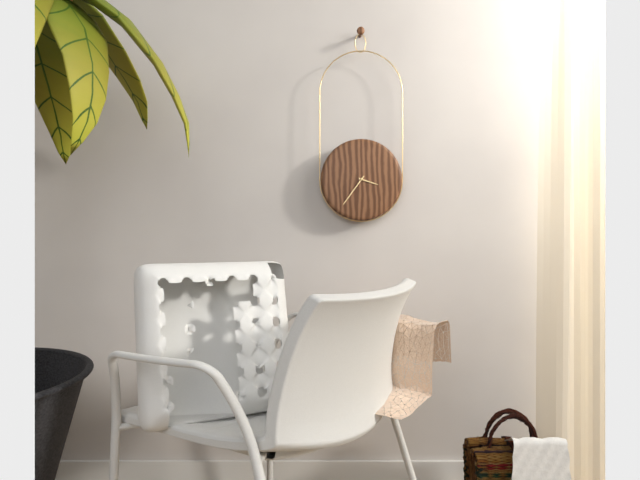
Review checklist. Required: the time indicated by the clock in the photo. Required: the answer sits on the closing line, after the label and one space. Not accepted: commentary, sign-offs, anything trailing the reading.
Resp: 3:36
